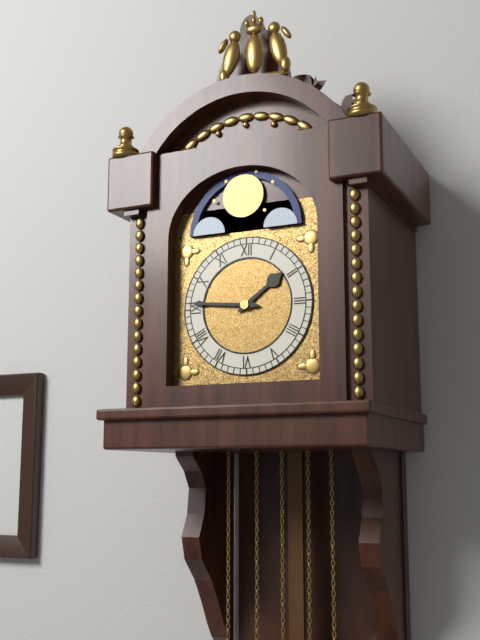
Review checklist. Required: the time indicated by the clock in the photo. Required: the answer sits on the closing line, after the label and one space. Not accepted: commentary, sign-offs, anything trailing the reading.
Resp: 1:46
